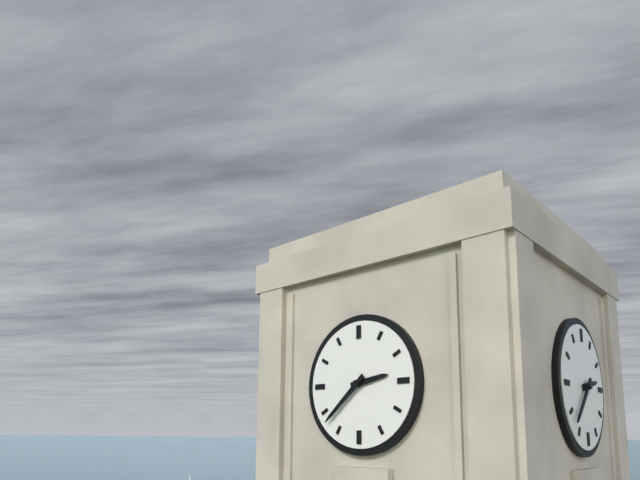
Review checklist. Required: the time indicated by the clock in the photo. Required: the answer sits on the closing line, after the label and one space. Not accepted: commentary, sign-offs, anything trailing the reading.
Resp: 2:38
